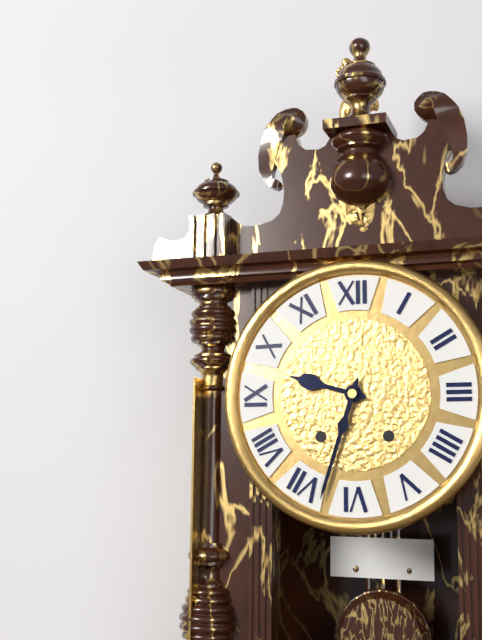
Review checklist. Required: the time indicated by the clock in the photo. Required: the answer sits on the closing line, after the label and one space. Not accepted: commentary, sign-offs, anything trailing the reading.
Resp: 9:33
